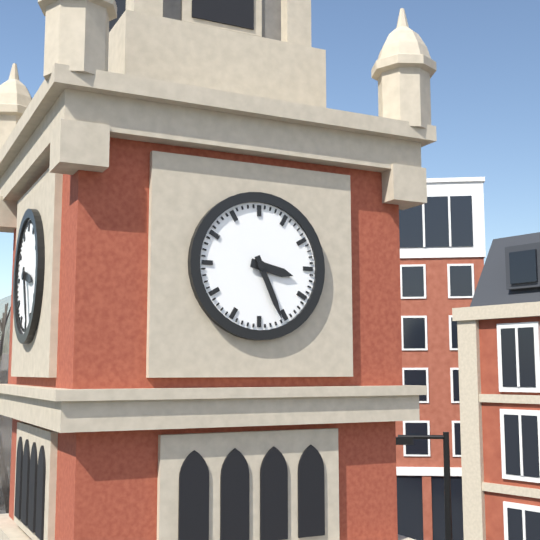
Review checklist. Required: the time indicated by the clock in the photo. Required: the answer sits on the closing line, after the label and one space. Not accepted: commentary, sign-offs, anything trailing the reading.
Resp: 3:26
